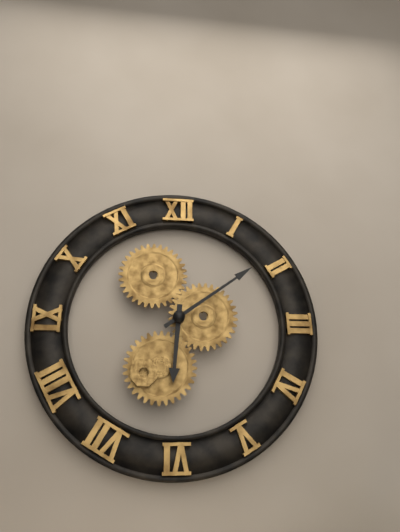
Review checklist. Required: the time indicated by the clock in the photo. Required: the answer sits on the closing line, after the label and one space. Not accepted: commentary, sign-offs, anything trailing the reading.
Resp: 6:09
